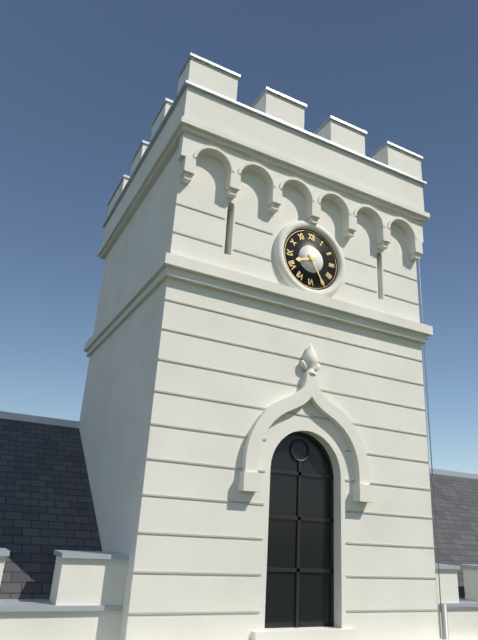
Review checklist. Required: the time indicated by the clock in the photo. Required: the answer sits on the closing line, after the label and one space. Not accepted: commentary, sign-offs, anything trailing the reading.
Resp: 8:25
